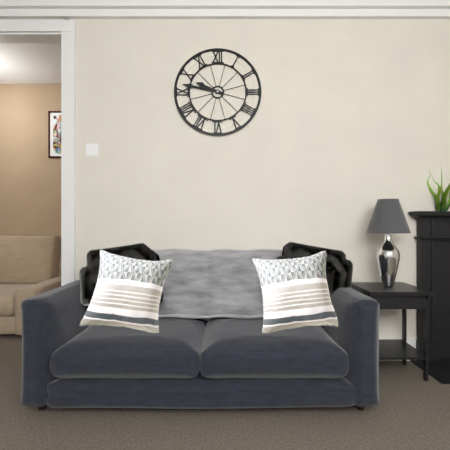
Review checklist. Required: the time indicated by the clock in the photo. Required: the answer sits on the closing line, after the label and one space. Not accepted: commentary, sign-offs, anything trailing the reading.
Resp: 9:47
